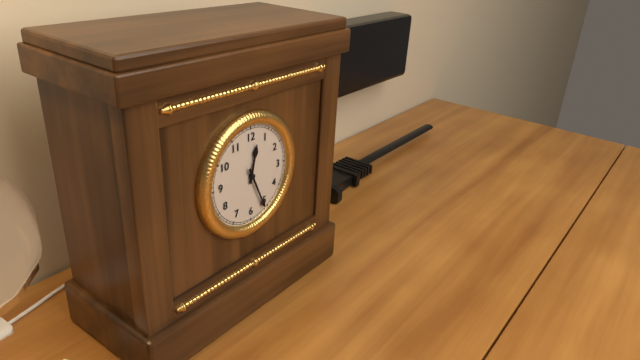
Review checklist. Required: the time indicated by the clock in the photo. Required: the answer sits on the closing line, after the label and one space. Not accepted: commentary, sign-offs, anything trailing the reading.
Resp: 12:26
